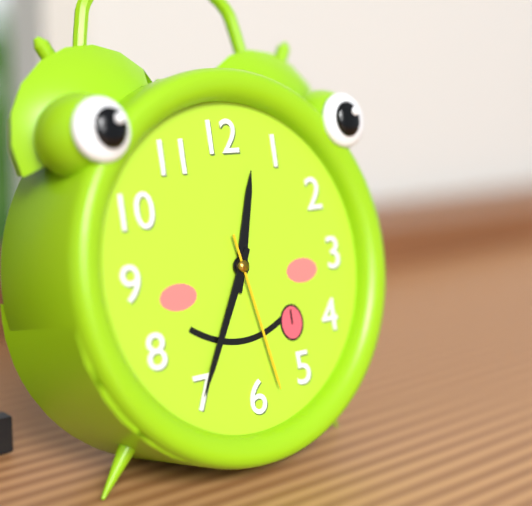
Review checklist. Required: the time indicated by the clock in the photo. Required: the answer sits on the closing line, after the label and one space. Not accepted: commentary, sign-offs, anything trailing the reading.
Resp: 12:35:28
